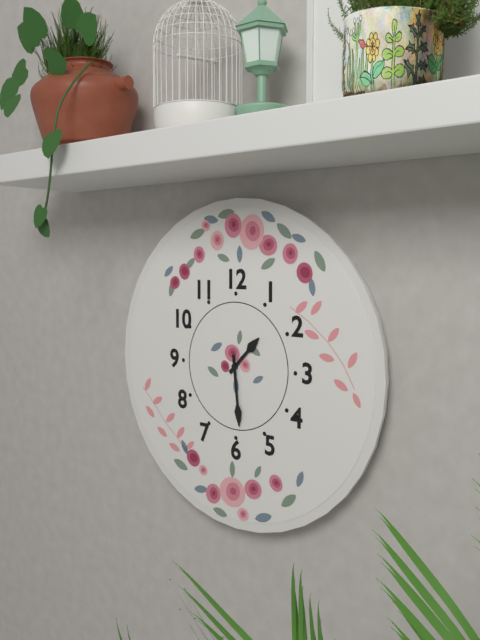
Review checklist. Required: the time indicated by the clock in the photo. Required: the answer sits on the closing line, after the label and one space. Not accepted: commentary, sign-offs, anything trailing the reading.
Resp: 1:29
